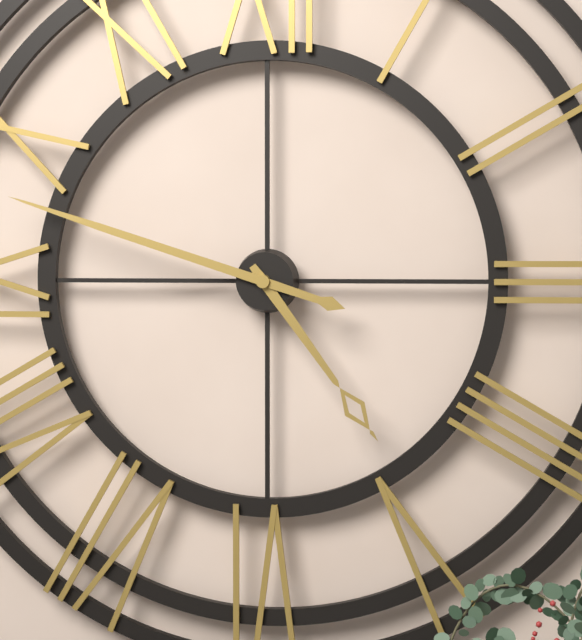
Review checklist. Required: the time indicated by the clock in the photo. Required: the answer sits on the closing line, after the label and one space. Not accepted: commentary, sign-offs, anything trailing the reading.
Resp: 4:48
